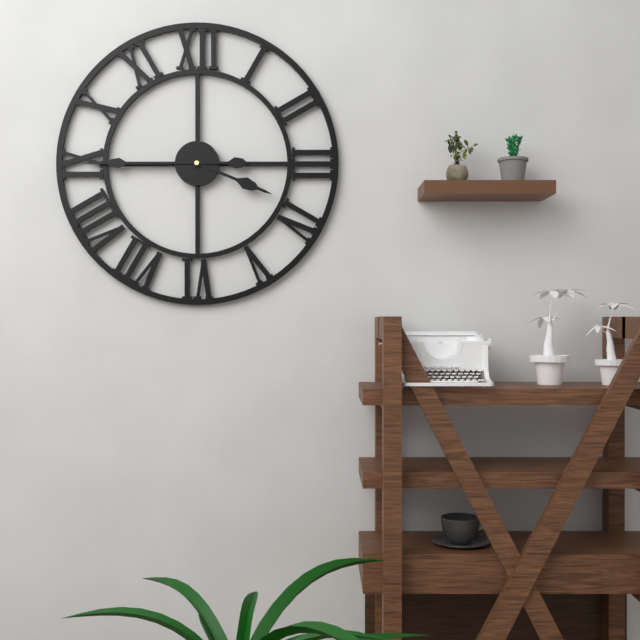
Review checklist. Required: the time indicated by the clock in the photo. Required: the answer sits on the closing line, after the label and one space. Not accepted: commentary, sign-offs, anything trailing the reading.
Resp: 3:45
